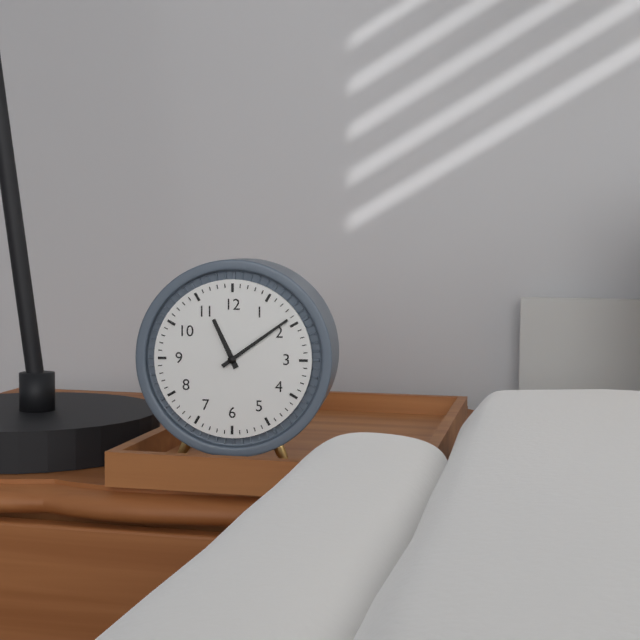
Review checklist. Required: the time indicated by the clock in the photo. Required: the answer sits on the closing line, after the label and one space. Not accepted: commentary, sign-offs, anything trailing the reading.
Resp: 11:09
